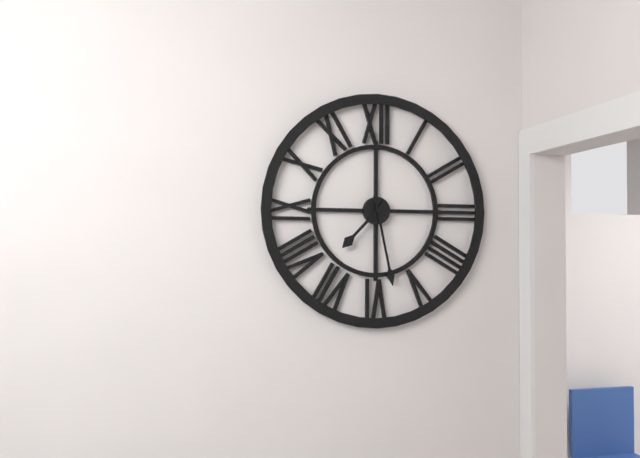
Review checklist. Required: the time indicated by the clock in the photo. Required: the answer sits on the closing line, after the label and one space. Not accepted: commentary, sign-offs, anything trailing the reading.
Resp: 7:28
